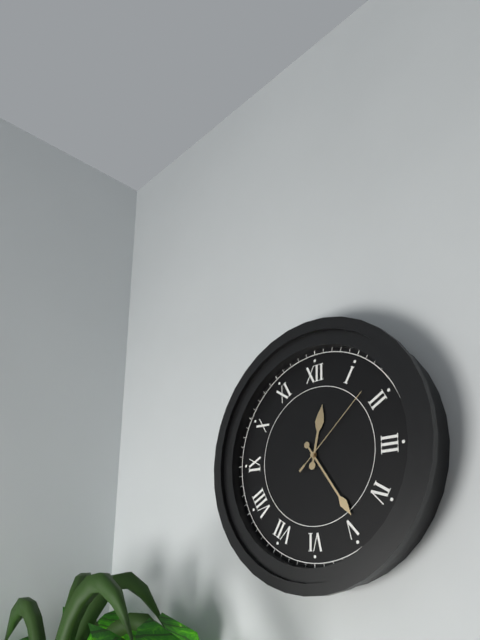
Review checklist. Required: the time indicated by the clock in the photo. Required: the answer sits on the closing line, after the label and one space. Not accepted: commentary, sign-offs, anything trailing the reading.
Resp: 12:24:08
